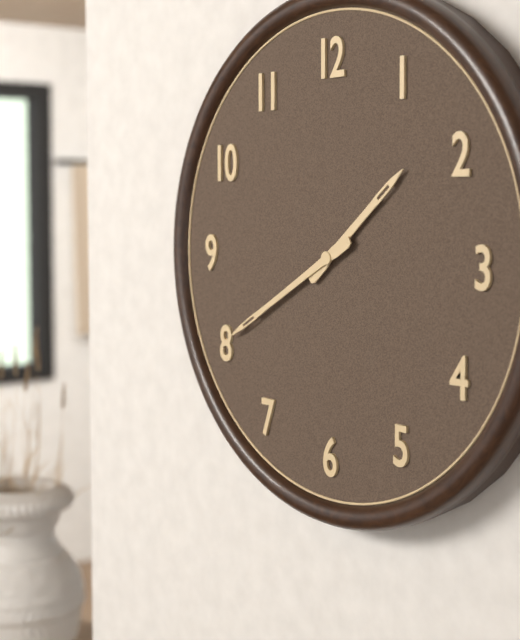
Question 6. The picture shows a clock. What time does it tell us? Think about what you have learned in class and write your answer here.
1:40
